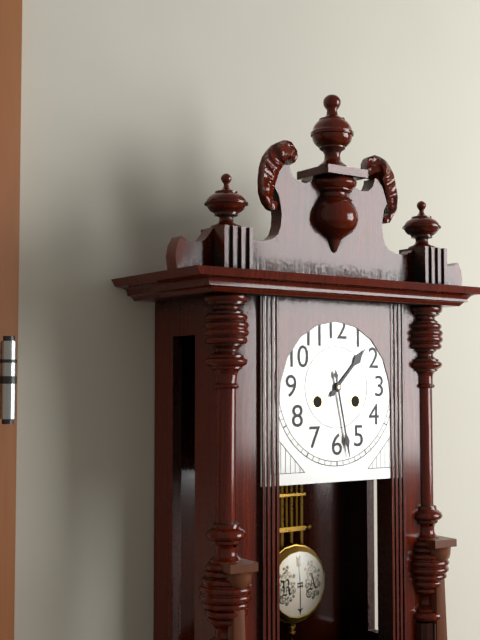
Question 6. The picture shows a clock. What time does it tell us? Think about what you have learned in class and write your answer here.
1:28
